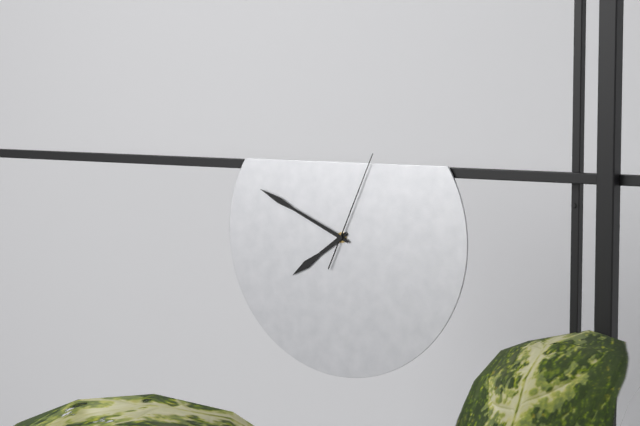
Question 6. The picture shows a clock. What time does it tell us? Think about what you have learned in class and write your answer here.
7:49:04
